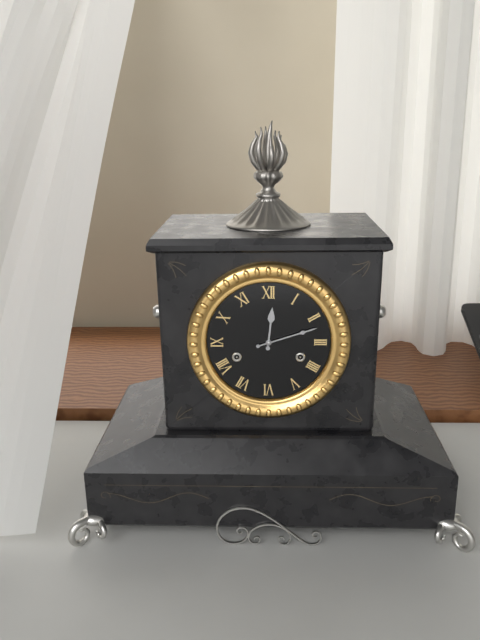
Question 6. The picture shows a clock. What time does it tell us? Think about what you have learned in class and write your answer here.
12:12
